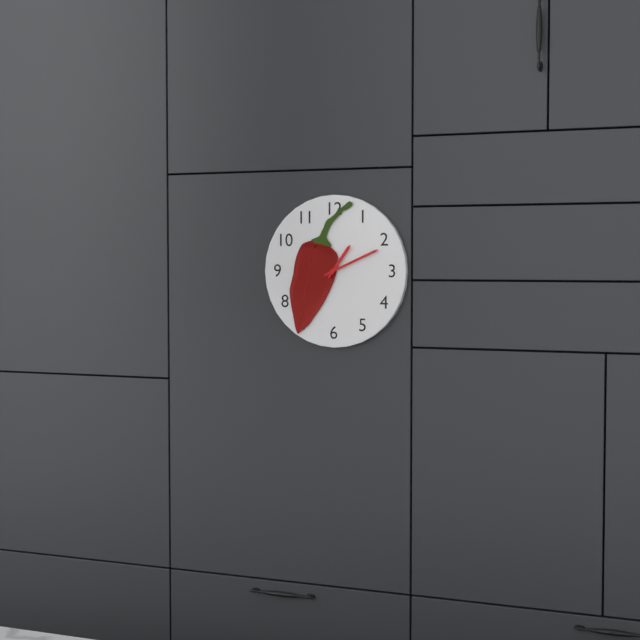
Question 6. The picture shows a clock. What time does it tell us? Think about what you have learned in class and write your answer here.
1:11
